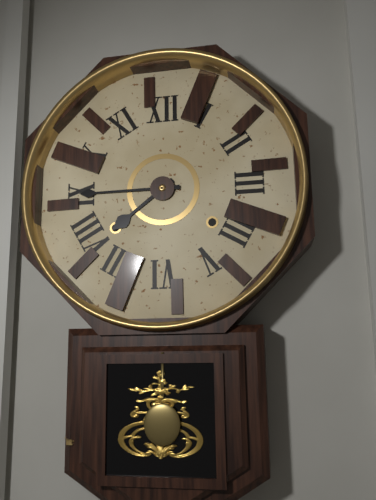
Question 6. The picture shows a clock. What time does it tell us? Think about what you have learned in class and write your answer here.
7:45
